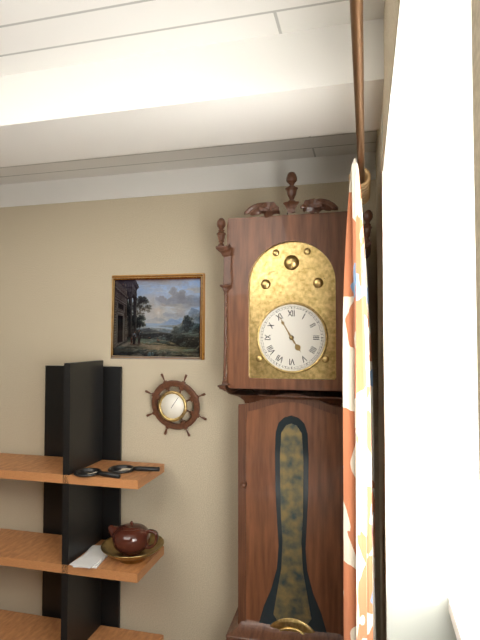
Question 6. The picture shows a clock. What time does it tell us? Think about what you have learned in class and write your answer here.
4:55
